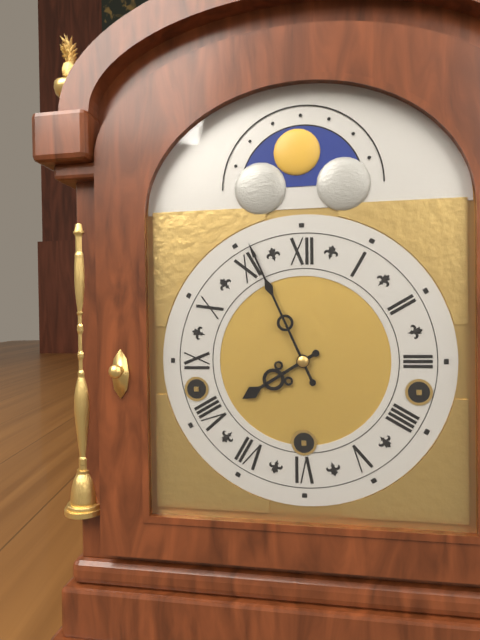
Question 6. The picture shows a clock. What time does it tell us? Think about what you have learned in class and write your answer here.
7:56
